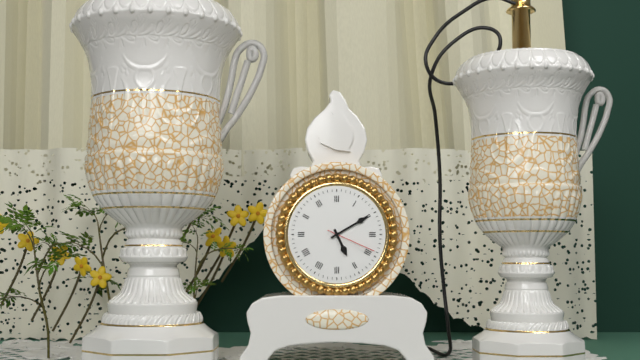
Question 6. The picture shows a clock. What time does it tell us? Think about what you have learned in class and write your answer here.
5:10:19
